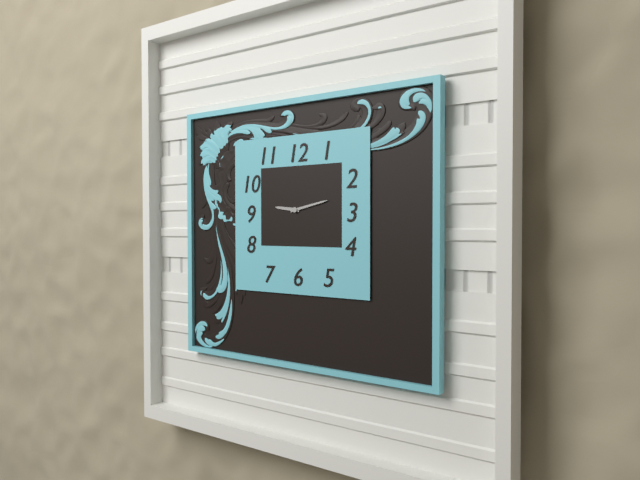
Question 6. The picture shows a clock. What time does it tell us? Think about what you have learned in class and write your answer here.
9:13
